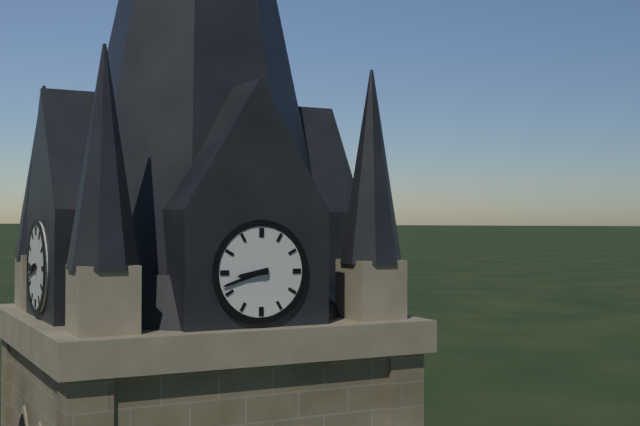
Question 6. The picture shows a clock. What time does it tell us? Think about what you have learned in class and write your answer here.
8:42
